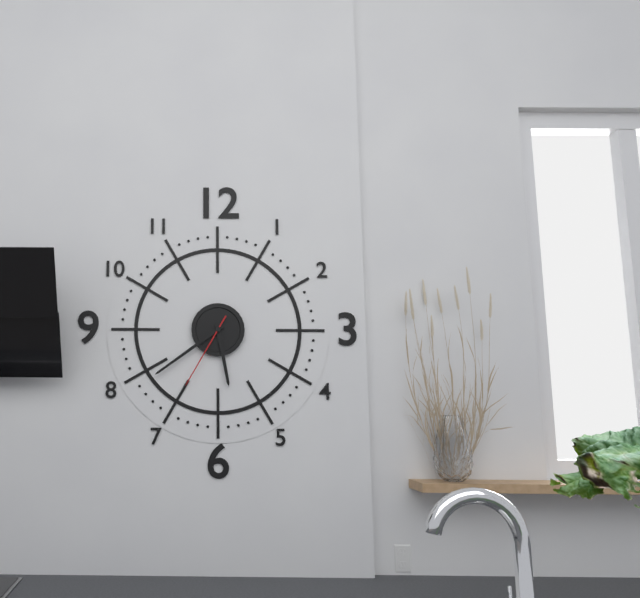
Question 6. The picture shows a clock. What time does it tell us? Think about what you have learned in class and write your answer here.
5:39:35
